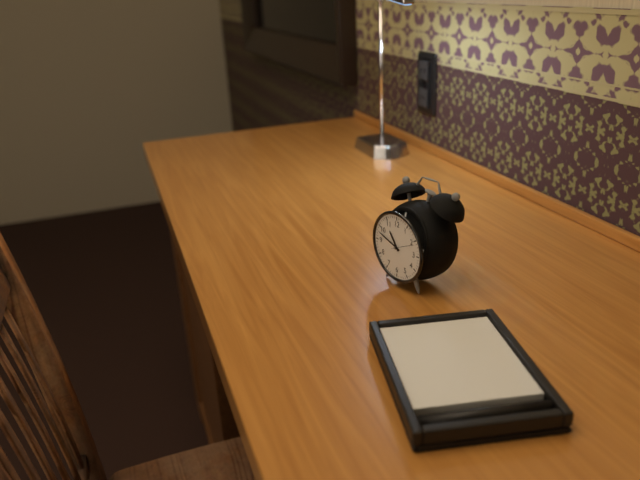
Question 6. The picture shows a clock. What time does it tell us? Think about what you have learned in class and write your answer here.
10:48
